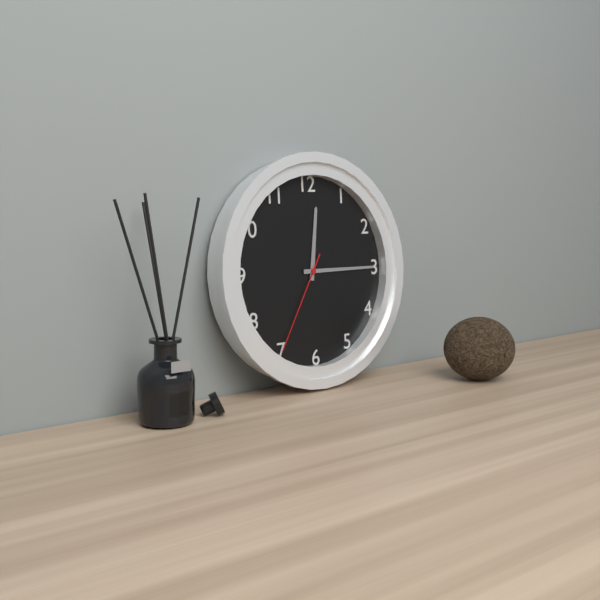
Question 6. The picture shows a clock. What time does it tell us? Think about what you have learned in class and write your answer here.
12:15:35
